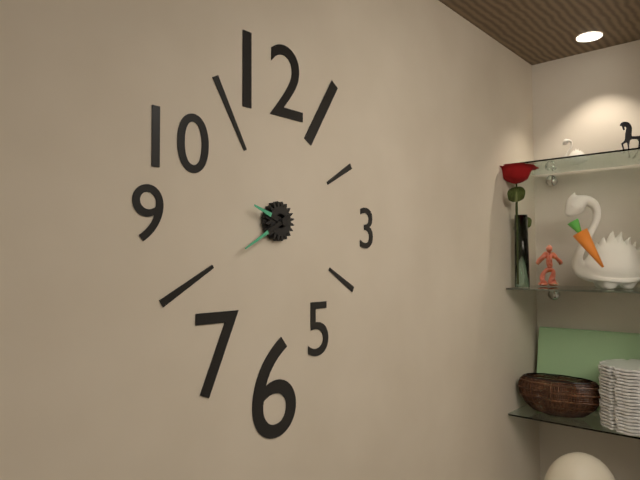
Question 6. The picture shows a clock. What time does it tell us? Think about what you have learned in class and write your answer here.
9:40
